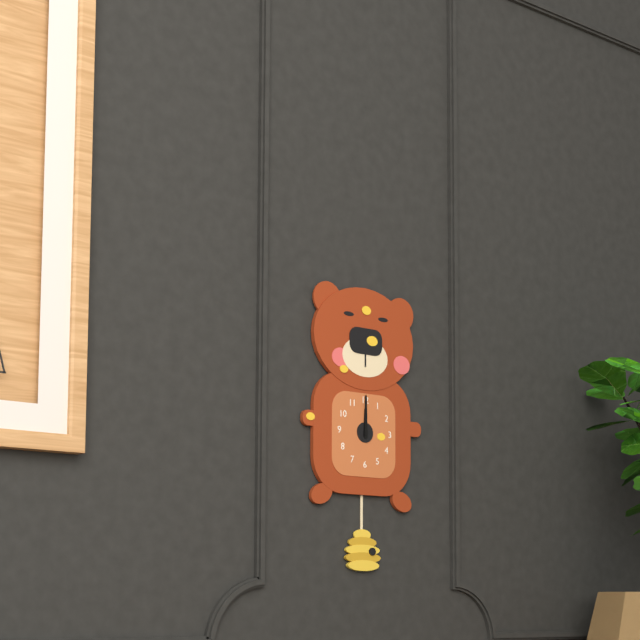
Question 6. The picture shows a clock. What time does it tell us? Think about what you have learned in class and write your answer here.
12:00
